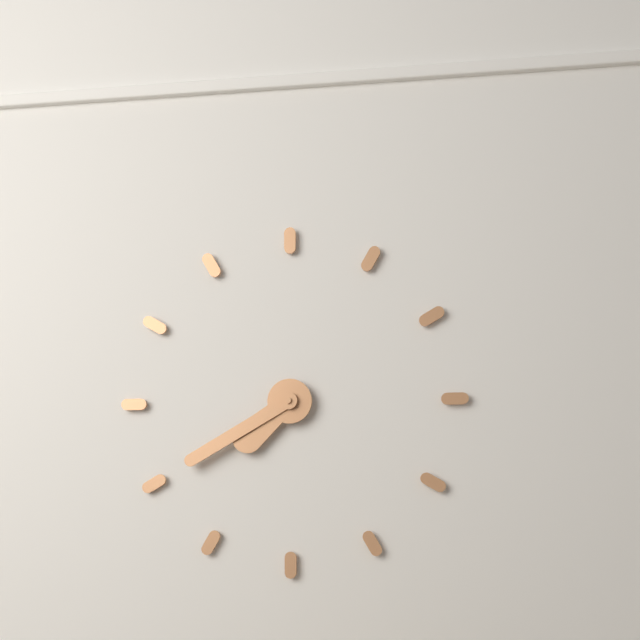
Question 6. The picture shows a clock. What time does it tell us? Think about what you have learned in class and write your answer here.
7:40
